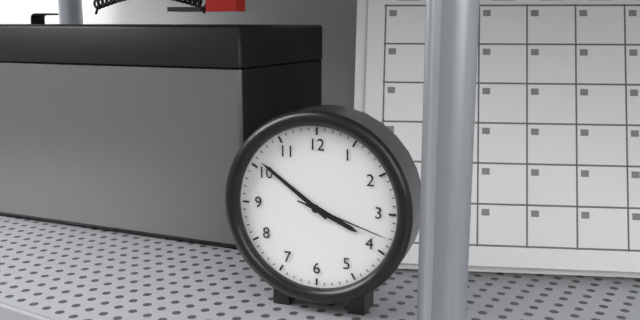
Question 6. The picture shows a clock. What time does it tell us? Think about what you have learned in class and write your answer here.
3:51:18
